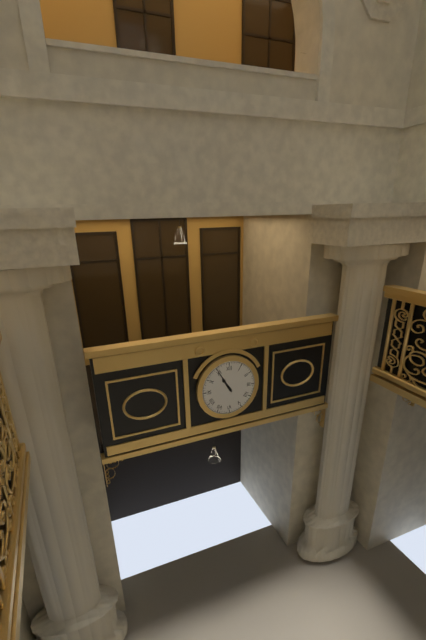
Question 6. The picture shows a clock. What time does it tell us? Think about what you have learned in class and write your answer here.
10:55
